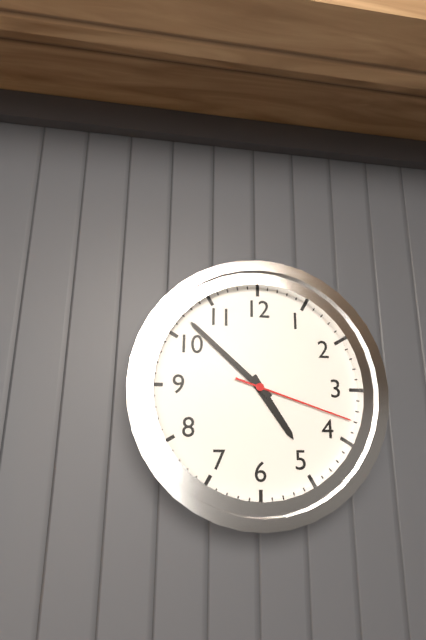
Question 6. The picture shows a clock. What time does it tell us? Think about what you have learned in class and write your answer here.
4:52:18
